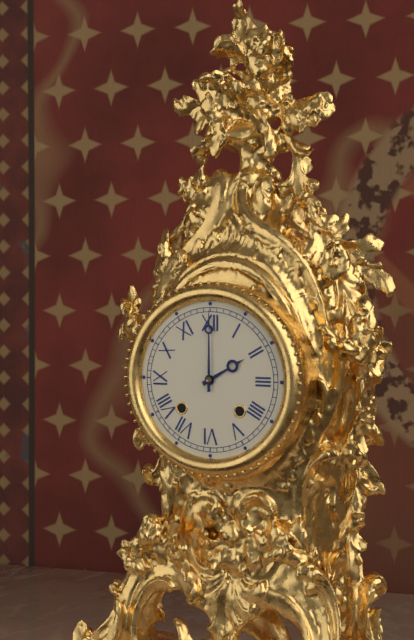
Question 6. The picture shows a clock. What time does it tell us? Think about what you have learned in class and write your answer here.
2:00
